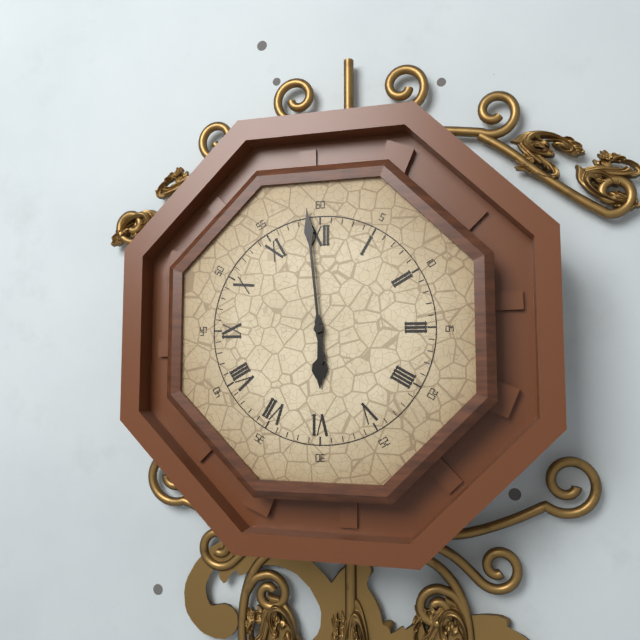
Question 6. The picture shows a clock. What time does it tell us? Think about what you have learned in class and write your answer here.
5:59
